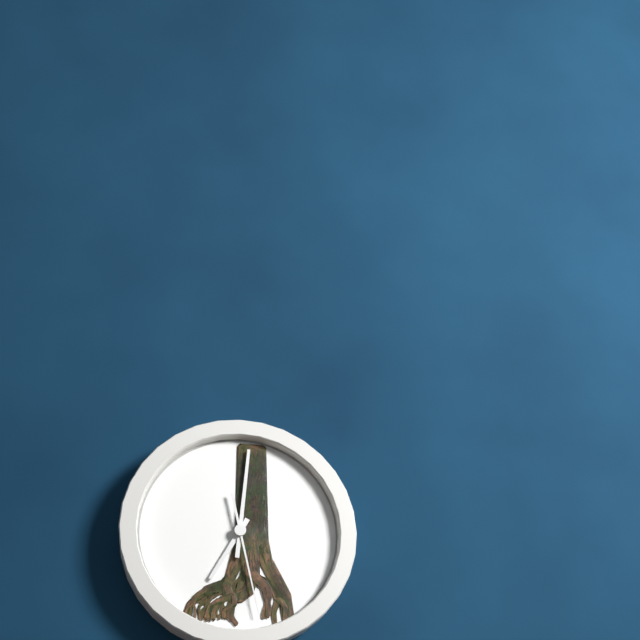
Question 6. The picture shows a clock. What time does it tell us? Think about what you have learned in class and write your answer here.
7:01:28
